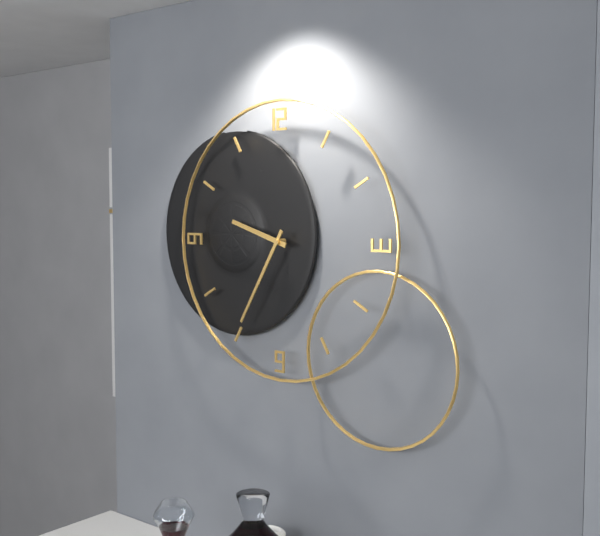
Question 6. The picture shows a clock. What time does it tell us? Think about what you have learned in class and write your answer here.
9:35
